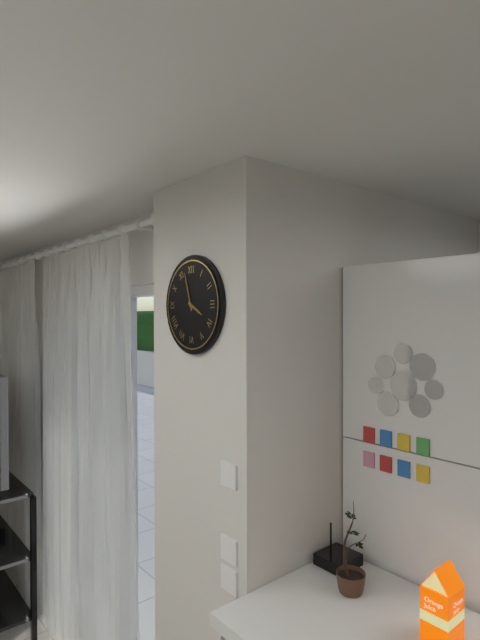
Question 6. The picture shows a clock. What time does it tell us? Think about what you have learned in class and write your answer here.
3:57
